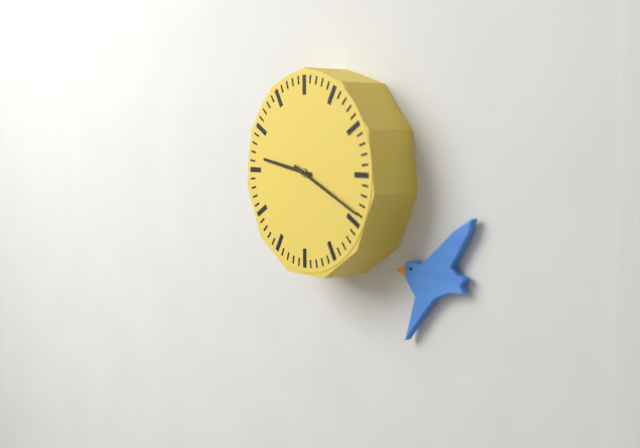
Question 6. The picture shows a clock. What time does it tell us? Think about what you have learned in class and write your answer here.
9:19
